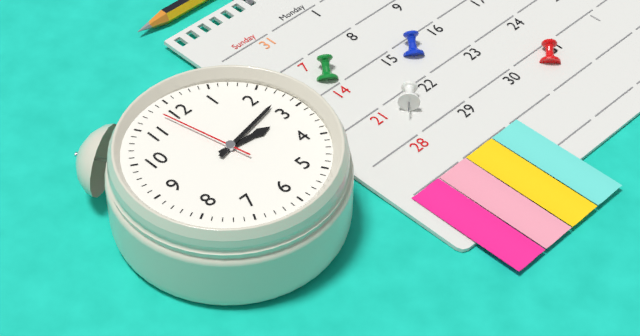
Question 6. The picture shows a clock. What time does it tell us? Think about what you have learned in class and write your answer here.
3:13:58
